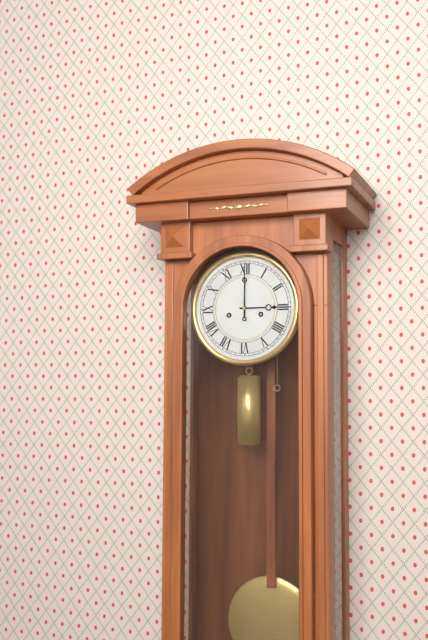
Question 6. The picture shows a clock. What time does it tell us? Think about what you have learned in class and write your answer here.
3:00
